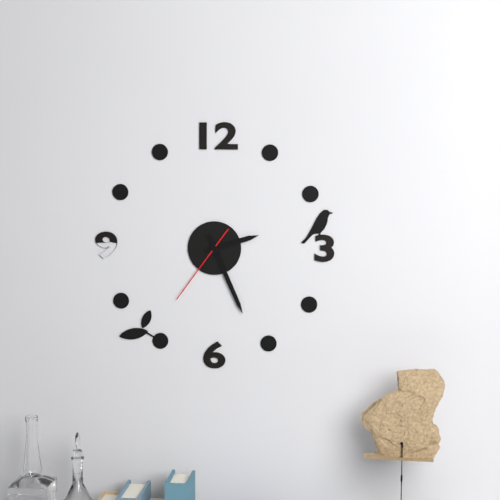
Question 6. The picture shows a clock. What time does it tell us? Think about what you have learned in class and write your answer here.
2:26:36
